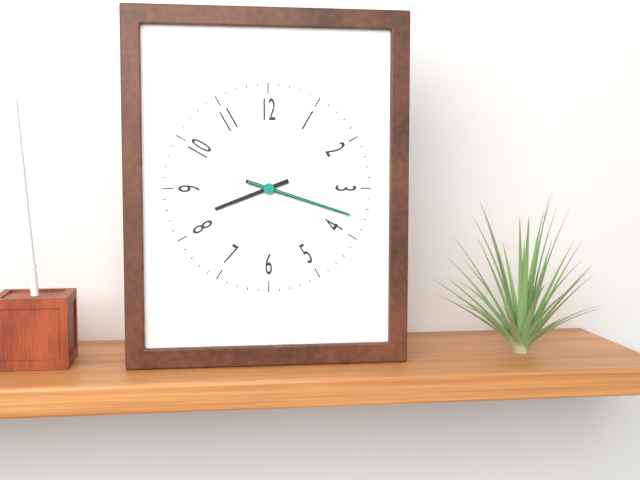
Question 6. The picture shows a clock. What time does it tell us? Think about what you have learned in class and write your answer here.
8:18:18
